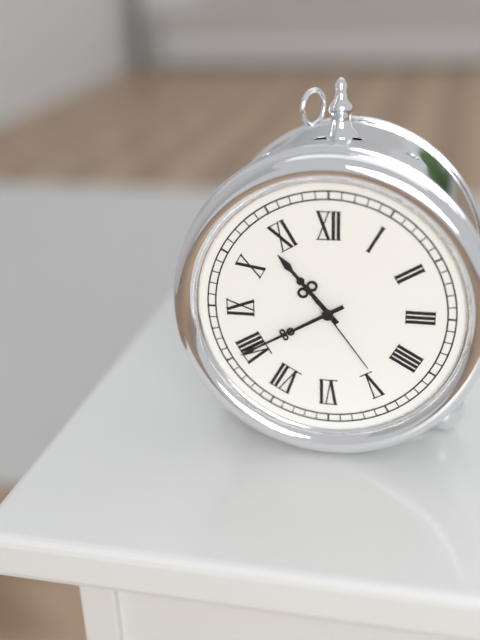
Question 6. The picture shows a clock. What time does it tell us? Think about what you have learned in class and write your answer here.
10:40:24
